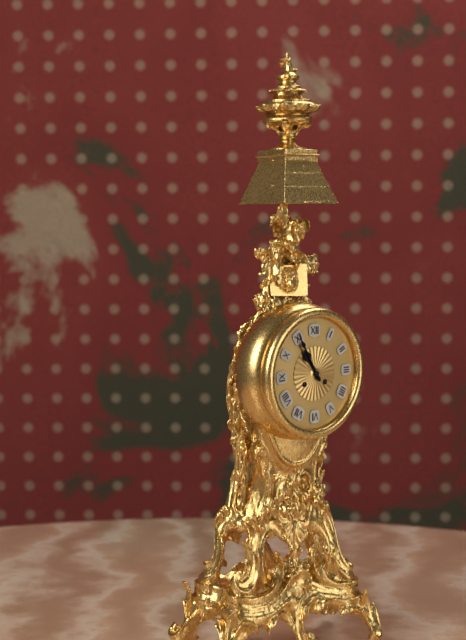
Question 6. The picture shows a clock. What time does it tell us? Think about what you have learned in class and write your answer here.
10:55
